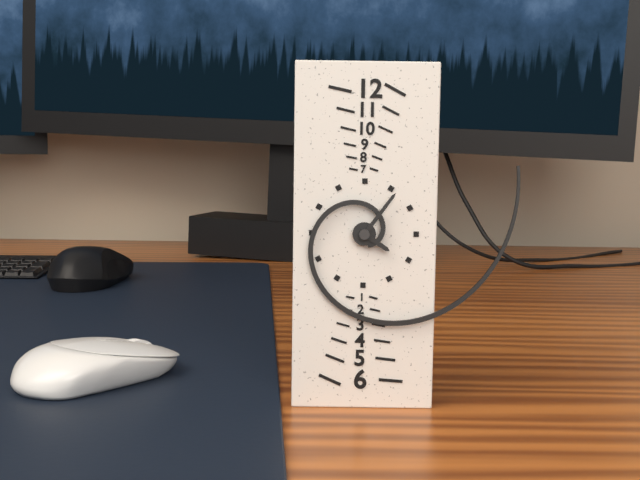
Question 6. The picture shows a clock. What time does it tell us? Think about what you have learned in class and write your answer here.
4:06
